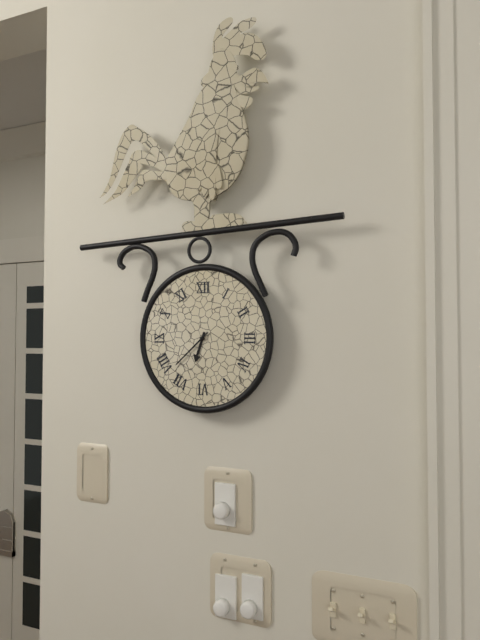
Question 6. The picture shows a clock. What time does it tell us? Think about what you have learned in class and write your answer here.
6:38
